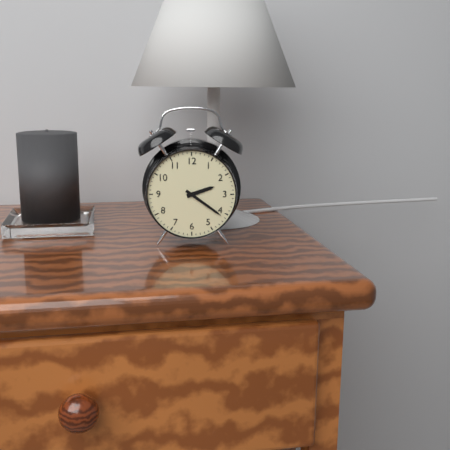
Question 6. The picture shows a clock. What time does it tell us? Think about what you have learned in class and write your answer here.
2:21
